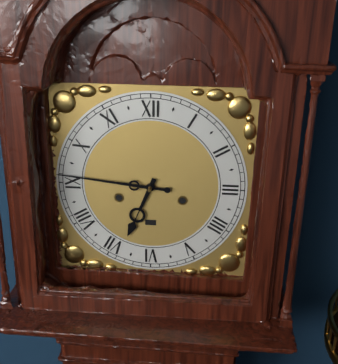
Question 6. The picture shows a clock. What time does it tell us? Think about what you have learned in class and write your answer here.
6:46
